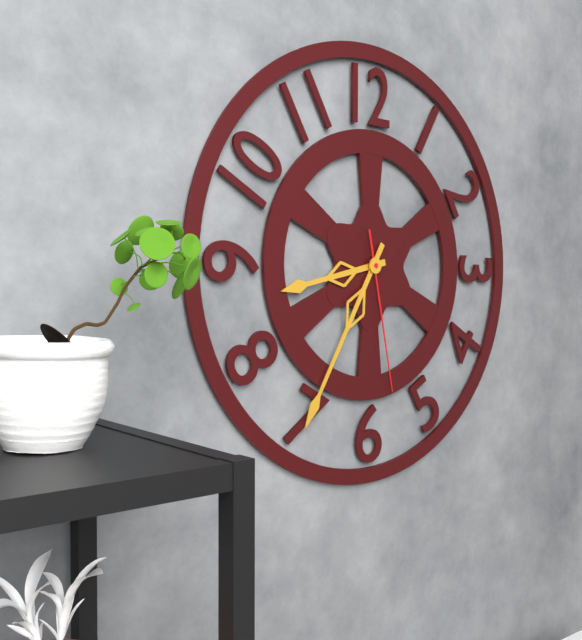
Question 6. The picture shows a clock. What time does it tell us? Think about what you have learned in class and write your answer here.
8:35:28
